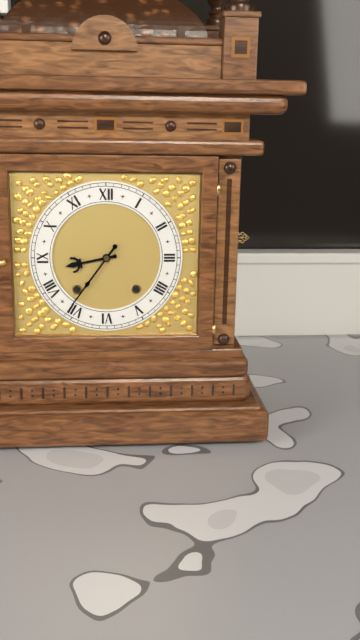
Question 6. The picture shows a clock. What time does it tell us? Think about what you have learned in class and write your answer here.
8:36
